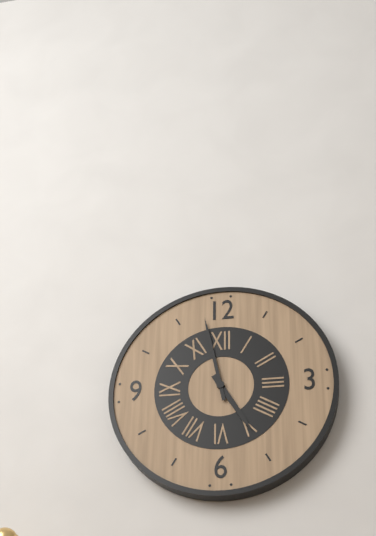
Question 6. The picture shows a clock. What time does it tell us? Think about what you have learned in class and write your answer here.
4:58
